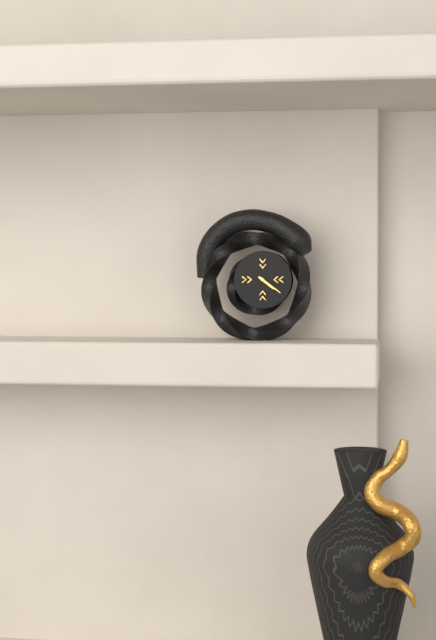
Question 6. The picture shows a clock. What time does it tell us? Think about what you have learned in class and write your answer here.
4:21
